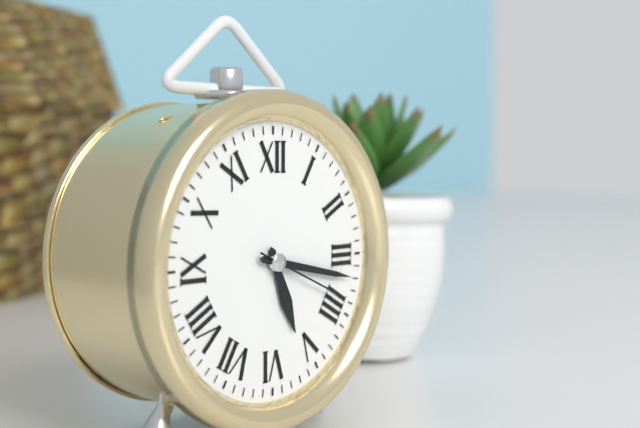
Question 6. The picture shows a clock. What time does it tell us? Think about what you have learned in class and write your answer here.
5:17:19
